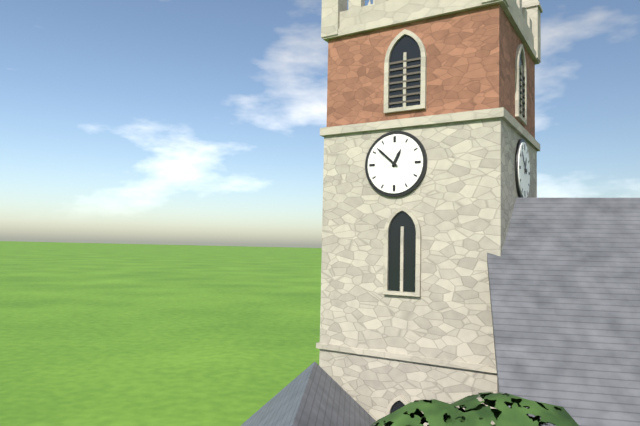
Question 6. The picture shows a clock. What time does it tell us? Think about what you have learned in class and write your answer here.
12:52
